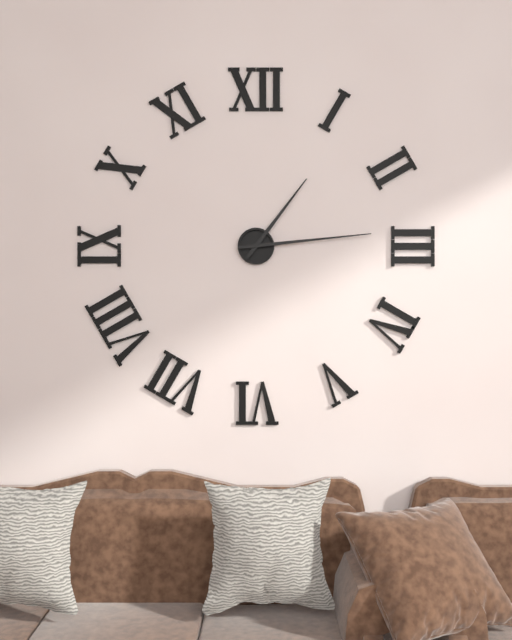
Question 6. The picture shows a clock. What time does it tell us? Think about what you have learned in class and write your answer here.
1:14
